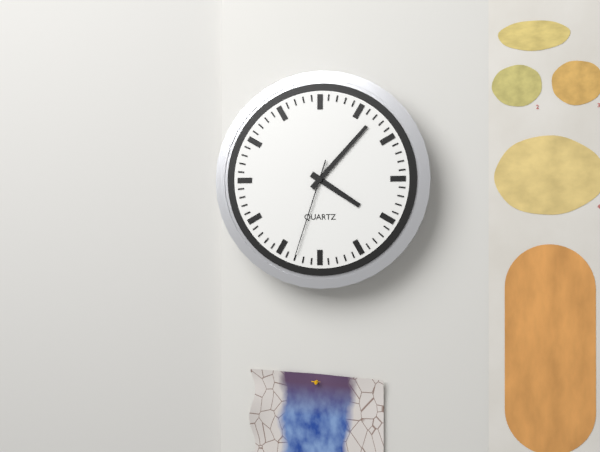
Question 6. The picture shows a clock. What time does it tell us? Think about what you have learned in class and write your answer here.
4:07:33
